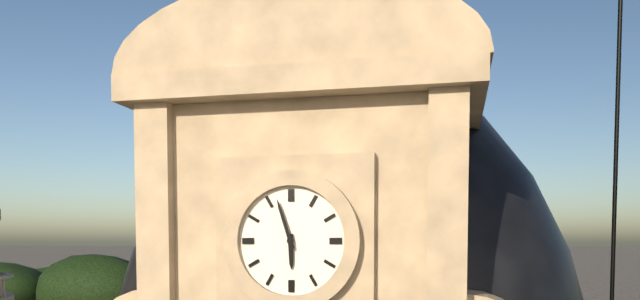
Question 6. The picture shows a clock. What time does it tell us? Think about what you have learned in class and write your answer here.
5:57
